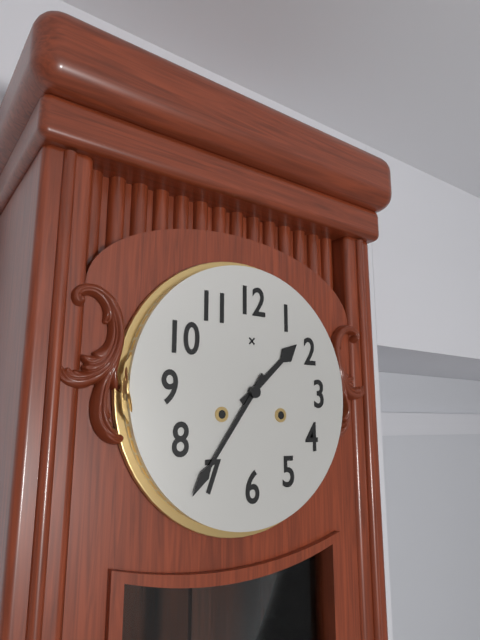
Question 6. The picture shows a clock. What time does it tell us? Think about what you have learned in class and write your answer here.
1:36
